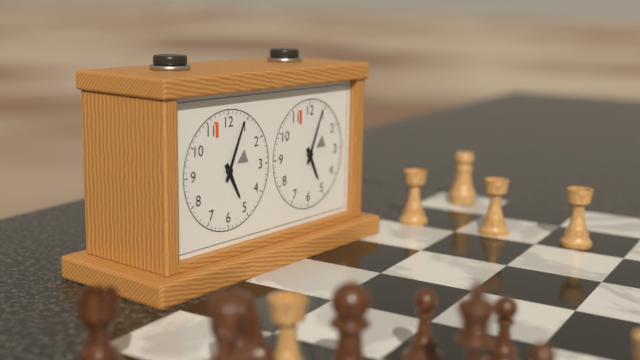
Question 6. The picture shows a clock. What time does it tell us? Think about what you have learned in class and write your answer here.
5:04
